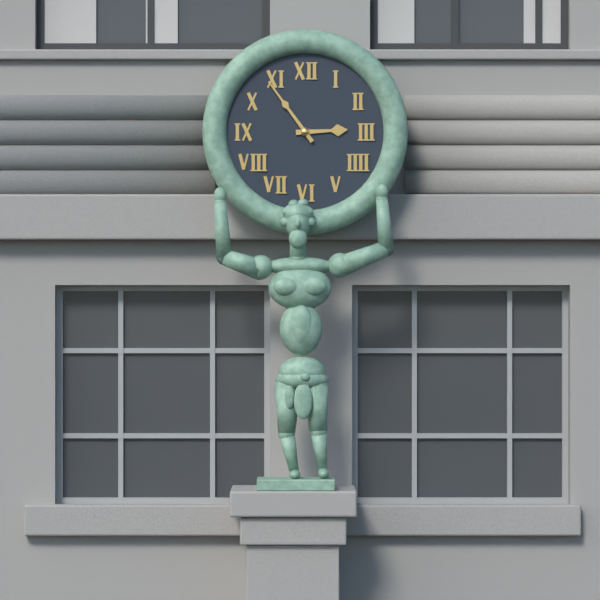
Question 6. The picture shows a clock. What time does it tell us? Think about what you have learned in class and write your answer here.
2:54
